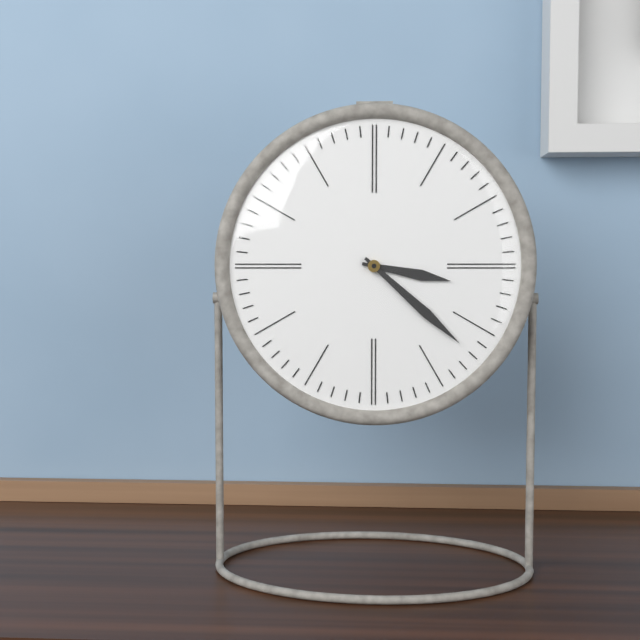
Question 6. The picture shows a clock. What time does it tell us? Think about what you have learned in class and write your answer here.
3:22
